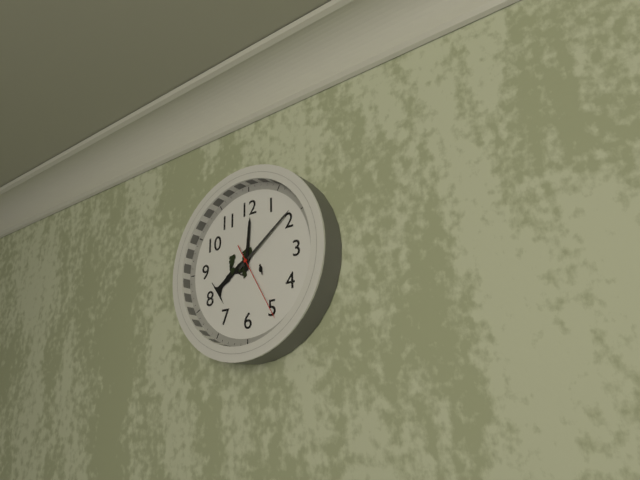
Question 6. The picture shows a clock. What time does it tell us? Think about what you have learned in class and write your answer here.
12:09:25
